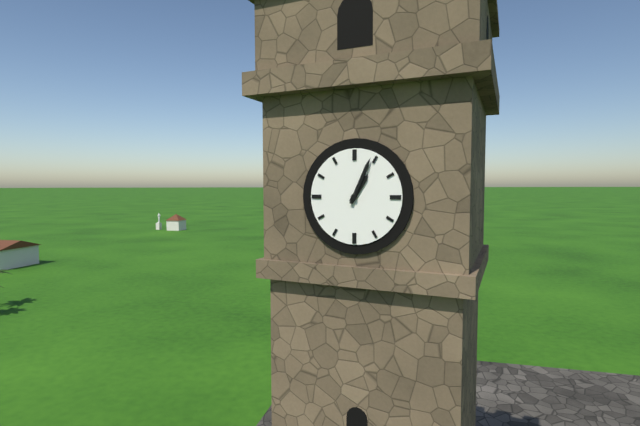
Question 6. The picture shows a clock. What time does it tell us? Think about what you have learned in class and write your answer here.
1:04
